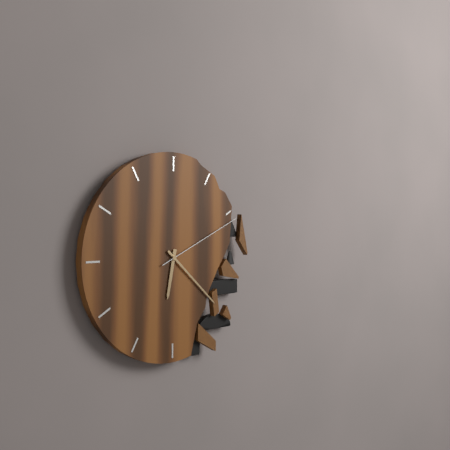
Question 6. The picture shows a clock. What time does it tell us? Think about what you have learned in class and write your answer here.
6:22:11
